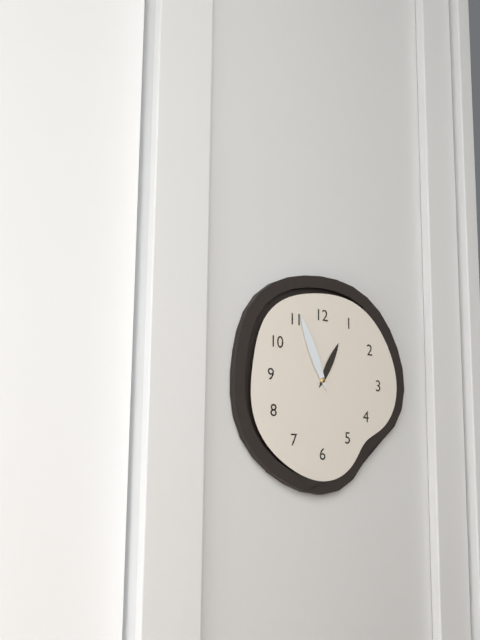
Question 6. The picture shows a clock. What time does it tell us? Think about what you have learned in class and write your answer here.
12:56
